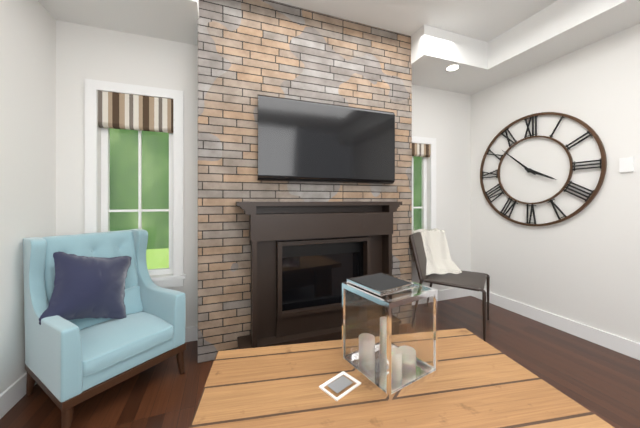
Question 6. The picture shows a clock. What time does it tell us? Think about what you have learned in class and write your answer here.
3:52
